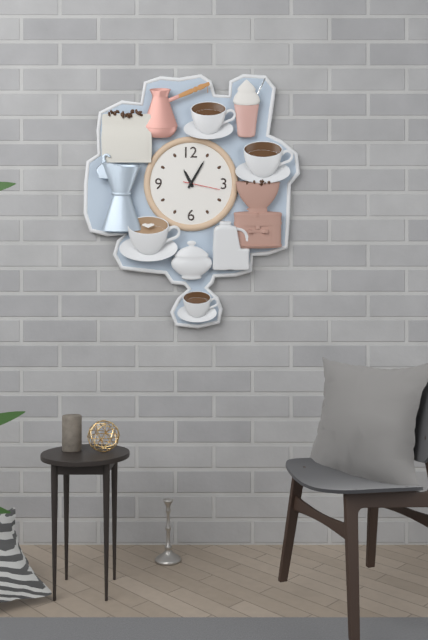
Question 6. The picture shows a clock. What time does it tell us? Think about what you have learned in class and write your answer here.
11:05
